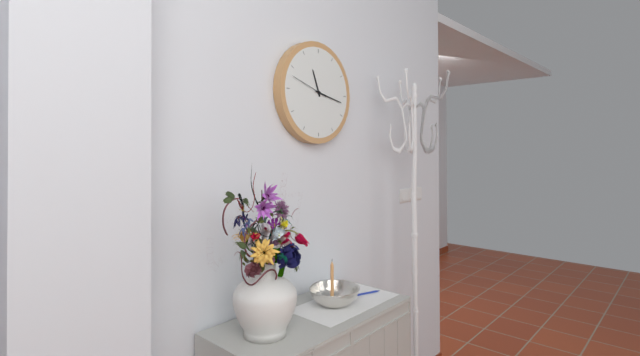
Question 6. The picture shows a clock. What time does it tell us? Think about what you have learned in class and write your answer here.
11:17
